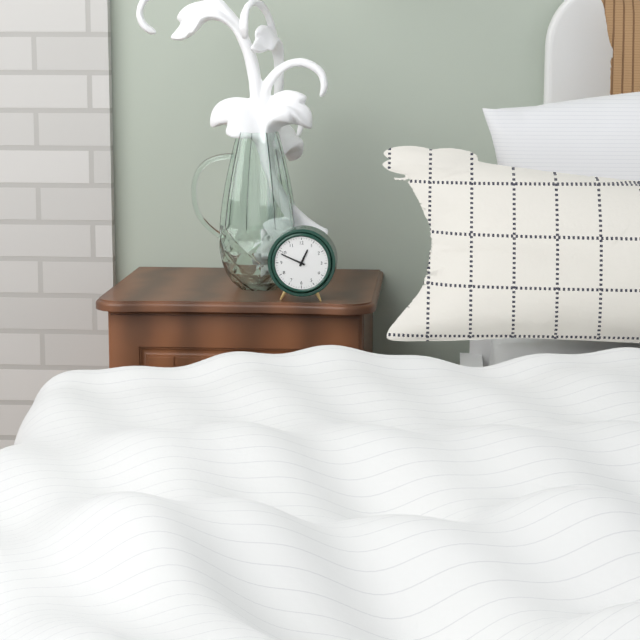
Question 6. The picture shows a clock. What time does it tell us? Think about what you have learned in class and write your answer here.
12:49
